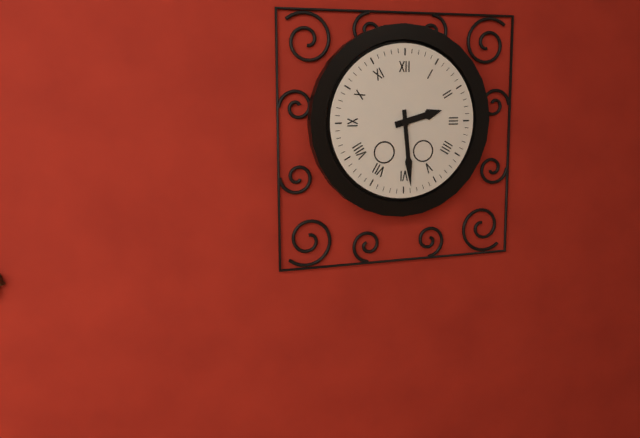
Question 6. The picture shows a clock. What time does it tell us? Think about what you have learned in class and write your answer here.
2:29
